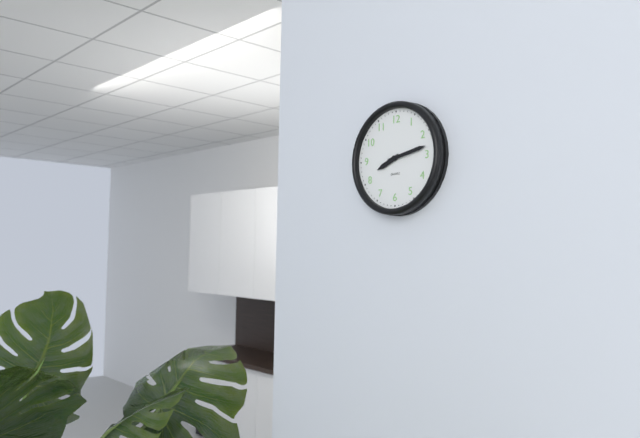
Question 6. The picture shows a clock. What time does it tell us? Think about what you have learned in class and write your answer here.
8:13
